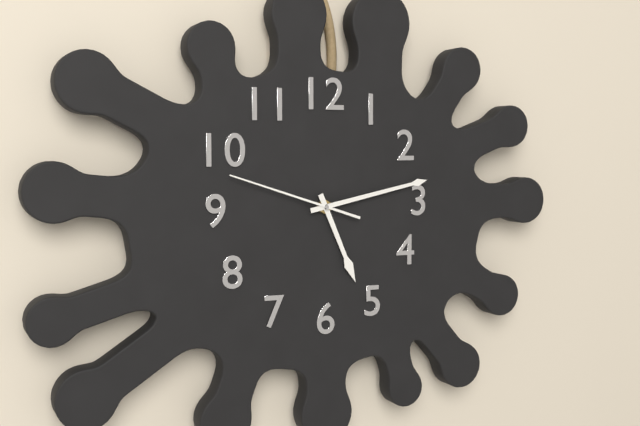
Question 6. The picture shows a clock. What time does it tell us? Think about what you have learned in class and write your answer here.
5:13:48
